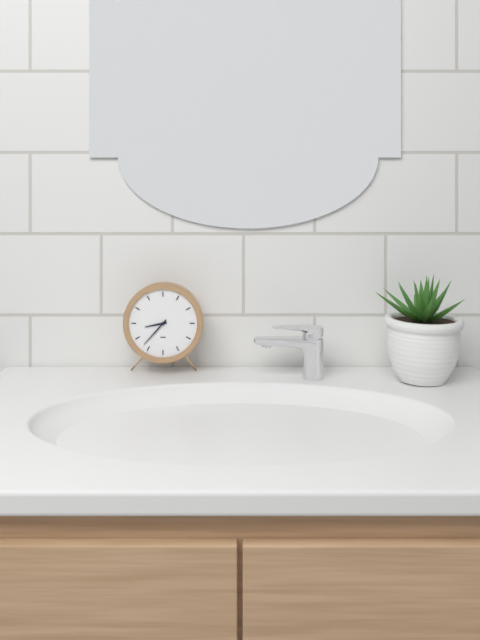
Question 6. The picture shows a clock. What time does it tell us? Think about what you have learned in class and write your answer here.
8:37
